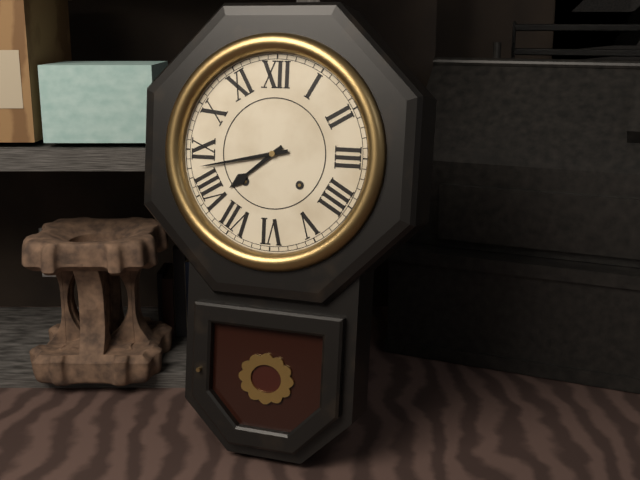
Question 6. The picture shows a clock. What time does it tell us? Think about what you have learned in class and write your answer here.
7:43
